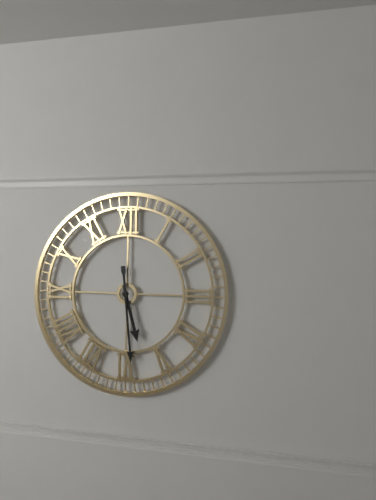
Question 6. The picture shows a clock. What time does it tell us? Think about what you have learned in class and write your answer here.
5:29
